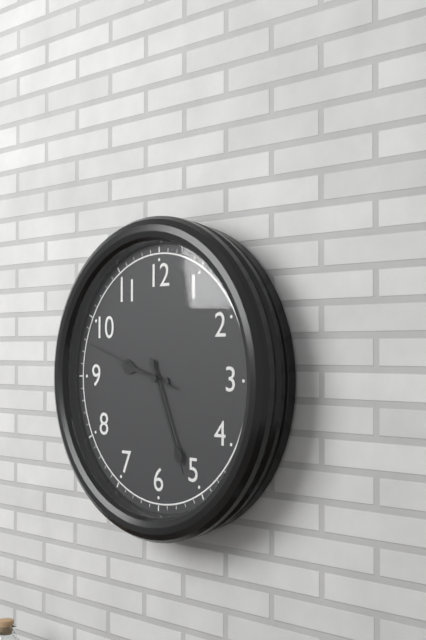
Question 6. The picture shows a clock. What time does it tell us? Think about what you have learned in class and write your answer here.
9:26:48
